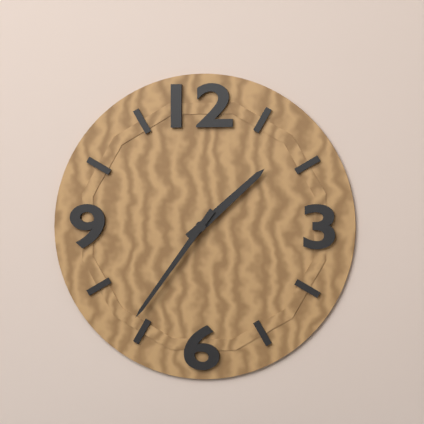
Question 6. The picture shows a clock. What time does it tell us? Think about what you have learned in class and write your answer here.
1:36
